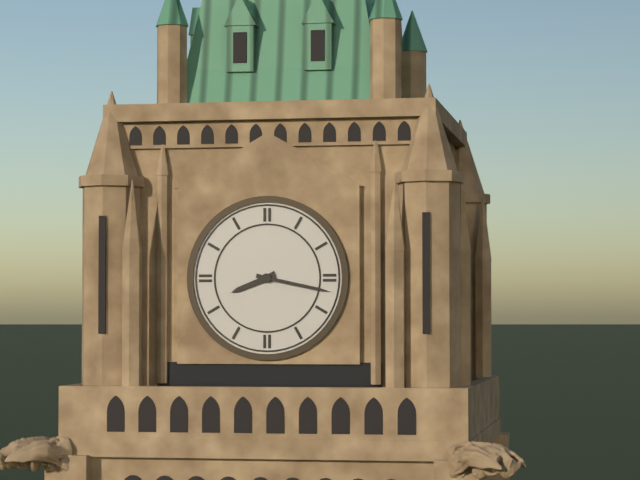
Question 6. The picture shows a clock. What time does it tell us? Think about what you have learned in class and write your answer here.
8:17
